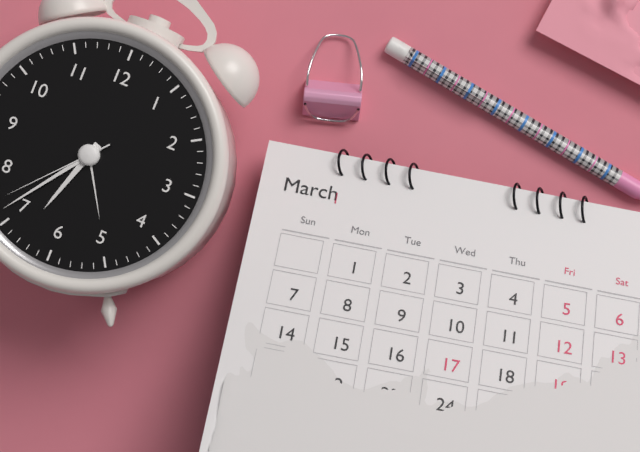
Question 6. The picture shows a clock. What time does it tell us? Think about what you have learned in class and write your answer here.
6:36:37
